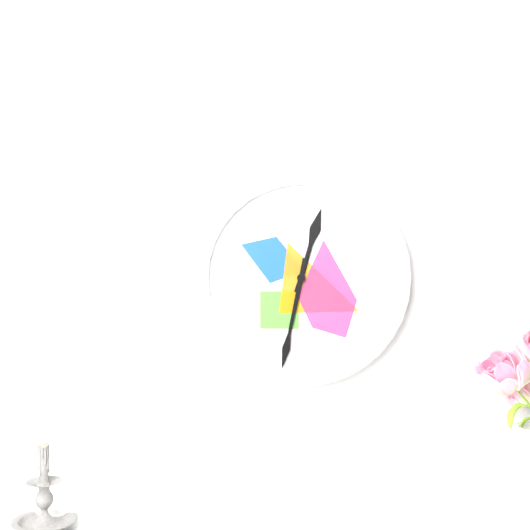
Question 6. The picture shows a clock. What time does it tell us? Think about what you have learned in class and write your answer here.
12:32
